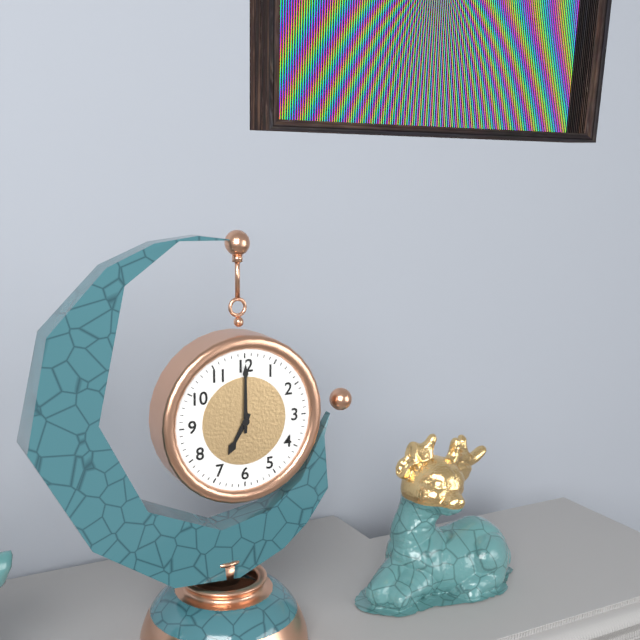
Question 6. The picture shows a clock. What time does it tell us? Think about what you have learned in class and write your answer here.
7:00
